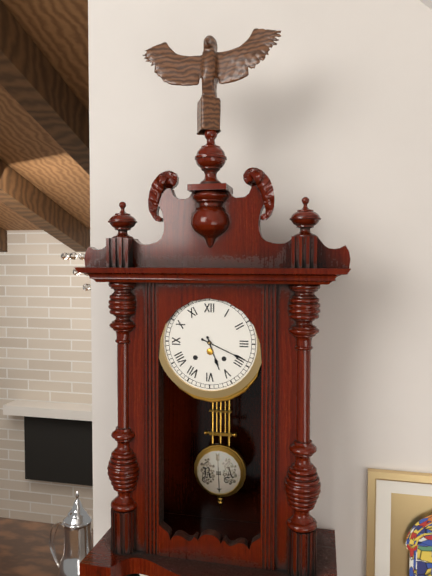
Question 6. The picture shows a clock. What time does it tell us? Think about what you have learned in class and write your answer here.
5:19
